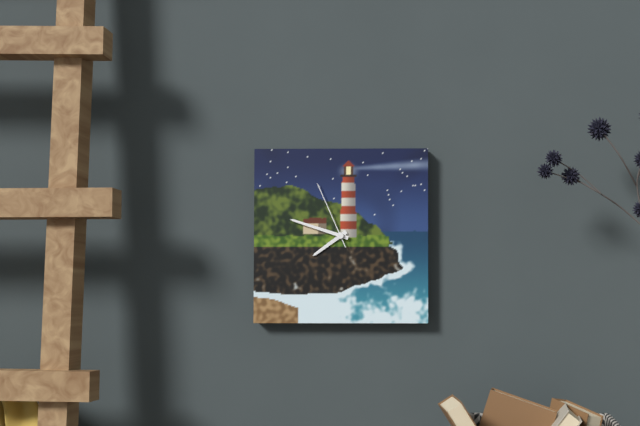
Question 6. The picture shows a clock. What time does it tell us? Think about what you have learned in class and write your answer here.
7:48:56
